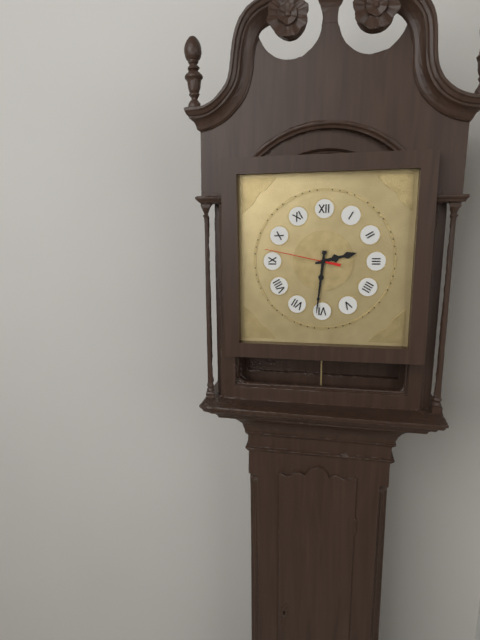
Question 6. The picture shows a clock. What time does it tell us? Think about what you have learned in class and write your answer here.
2:31:47
